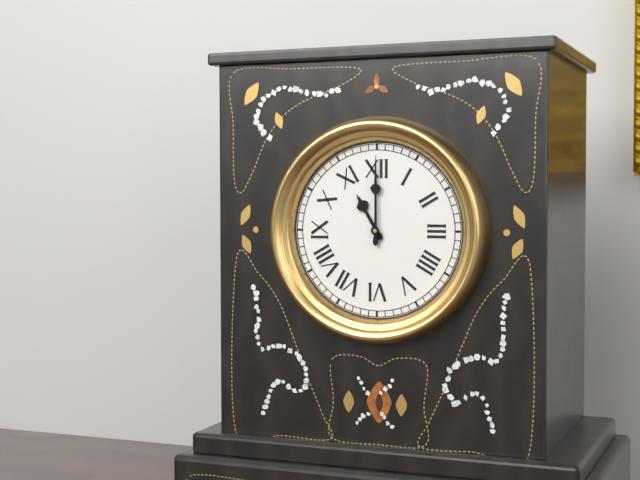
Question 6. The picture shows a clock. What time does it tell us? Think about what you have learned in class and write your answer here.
11:00
